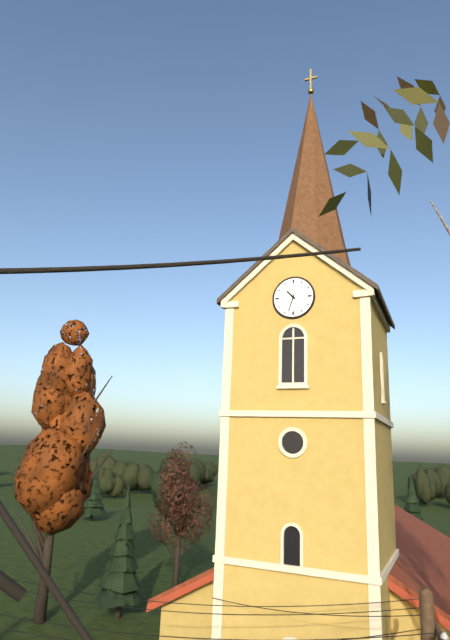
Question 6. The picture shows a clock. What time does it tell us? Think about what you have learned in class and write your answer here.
10:33
